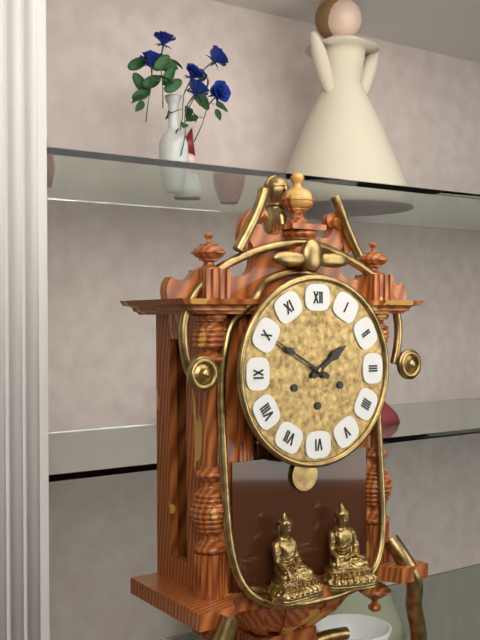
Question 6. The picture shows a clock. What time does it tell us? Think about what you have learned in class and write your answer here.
1:50
